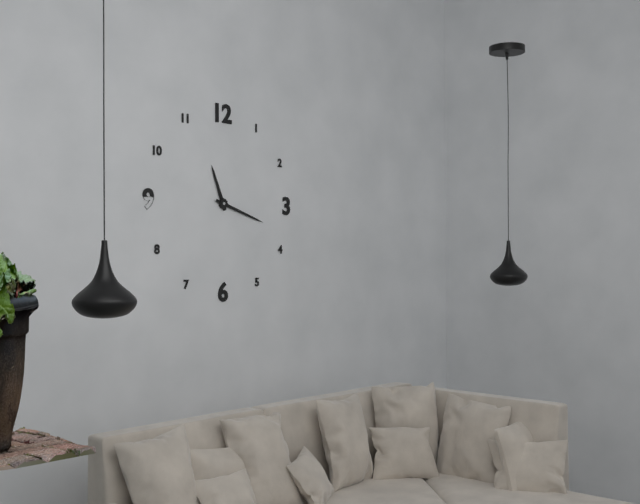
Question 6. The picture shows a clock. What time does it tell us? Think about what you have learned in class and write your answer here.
11:18
